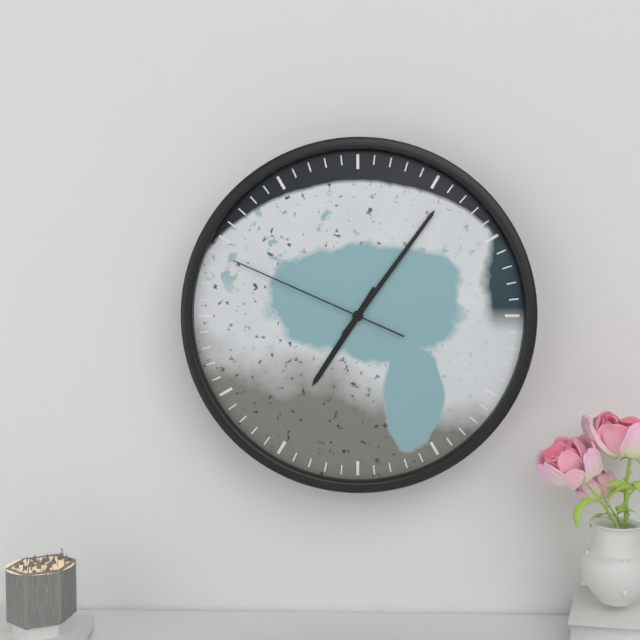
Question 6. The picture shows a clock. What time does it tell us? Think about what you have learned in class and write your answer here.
7:06:49
